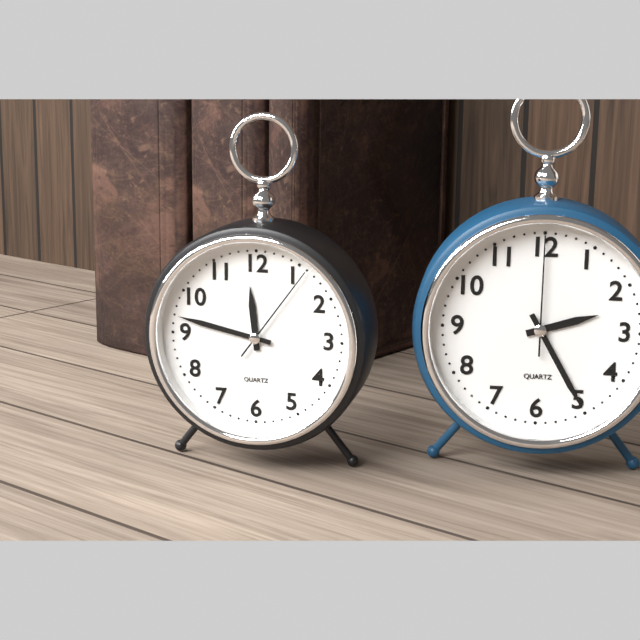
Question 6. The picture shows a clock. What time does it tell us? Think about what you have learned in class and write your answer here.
11:47:06
